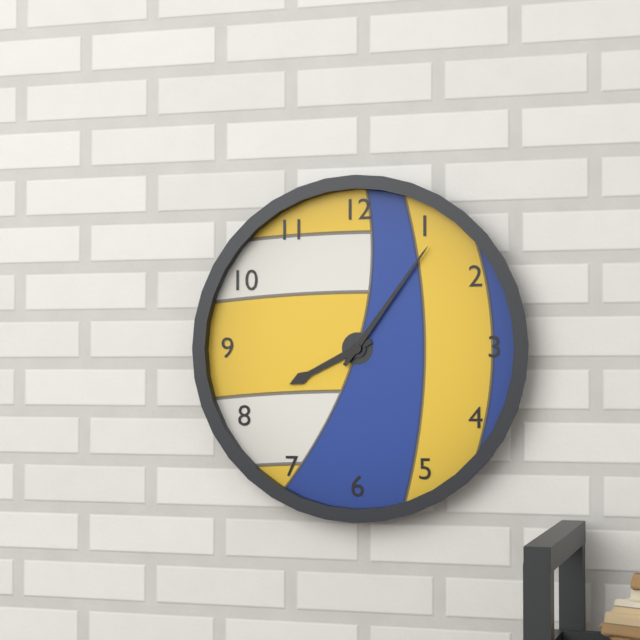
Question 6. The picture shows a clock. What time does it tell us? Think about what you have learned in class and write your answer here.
8:06
